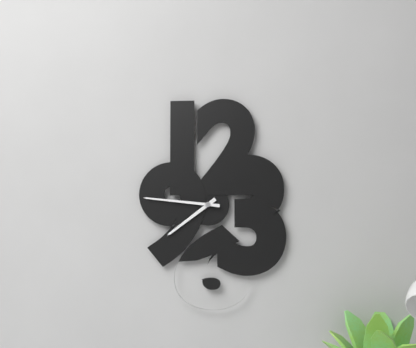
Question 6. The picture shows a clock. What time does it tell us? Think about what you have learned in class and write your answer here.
7:46
